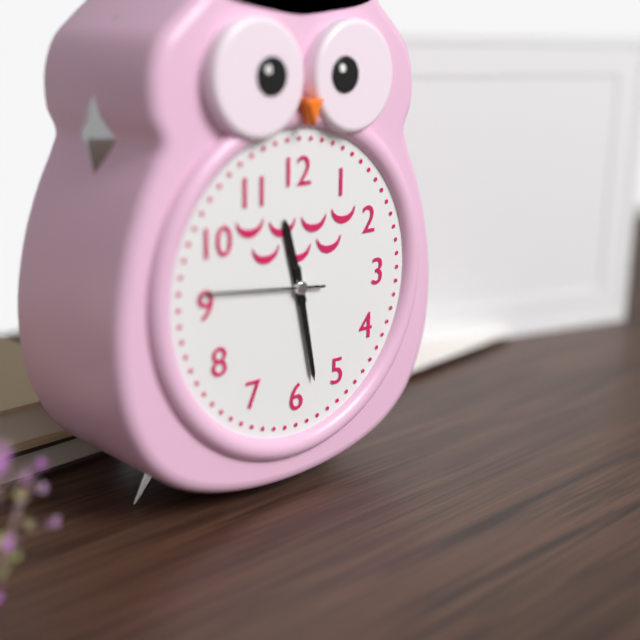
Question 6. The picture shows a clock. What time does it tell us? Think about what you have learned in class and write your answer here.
11:28:46
